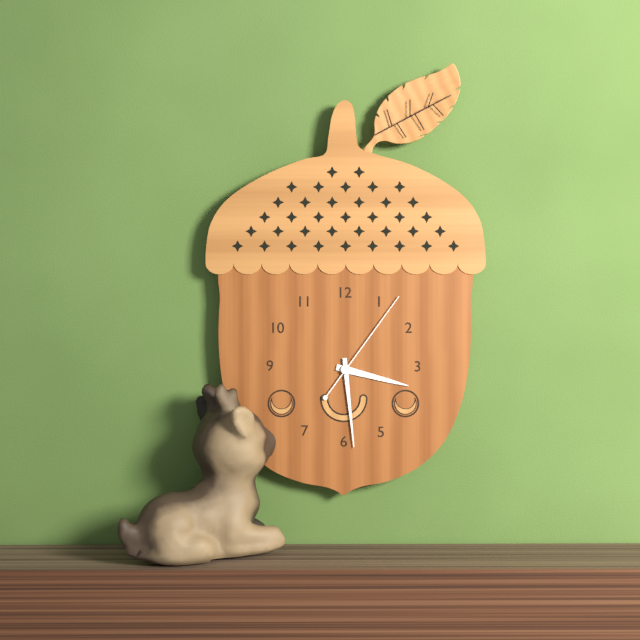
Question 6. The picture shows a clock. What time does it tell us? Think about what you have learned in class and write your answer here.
3:29:06
